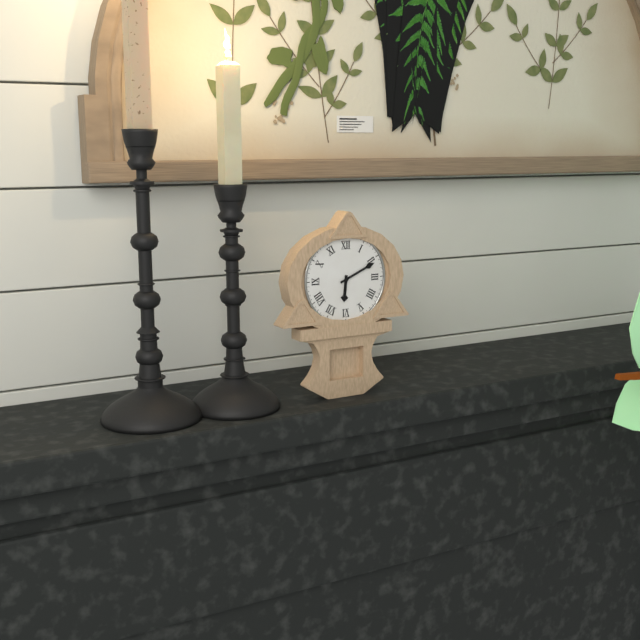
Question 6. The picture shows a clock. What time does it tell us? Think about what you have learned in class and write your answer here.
6:11
